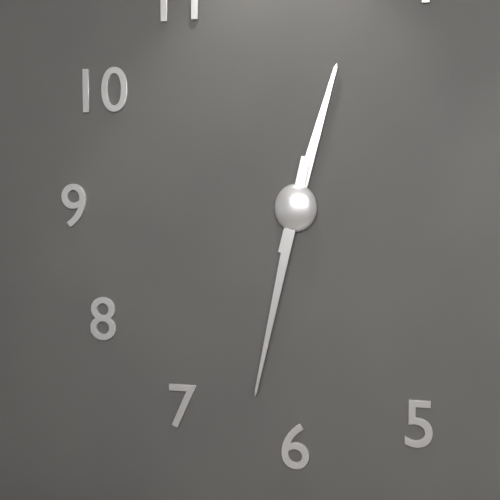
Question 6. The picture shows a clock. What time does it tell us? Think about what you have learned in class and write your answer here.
12:32
